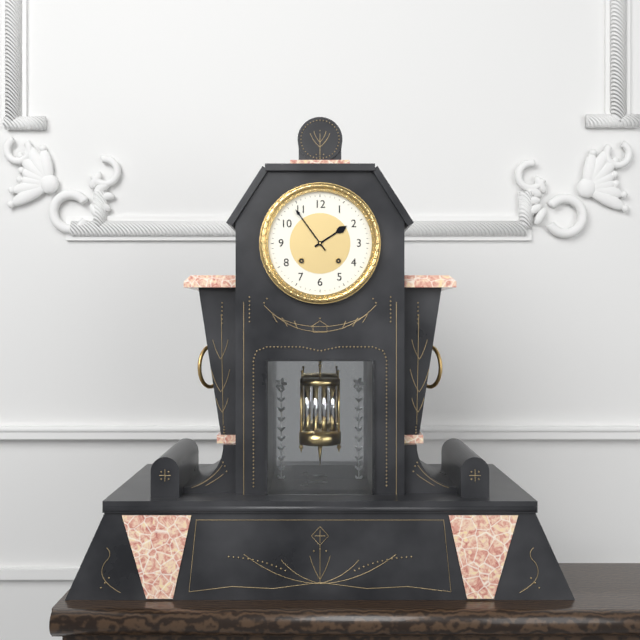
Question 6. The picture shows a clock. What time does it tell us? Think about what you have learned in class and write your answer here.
1:54
